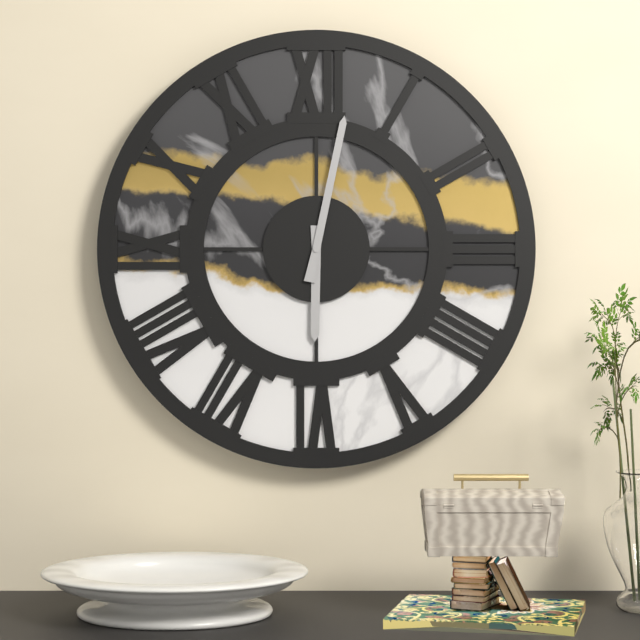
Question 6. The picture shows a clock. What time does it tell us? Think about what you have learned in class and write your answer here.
6:02
